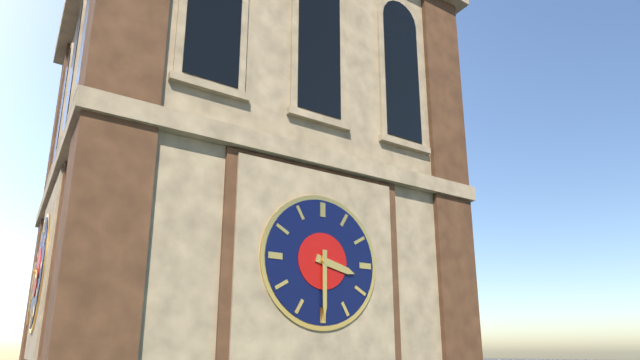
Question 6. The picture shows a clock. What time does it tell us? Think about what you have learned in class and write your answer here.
3:30
